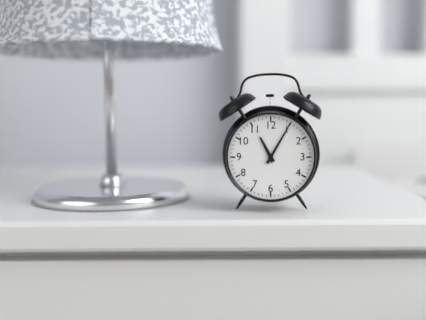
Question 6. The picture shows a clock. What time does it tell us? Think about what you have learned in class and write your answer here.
11:05
